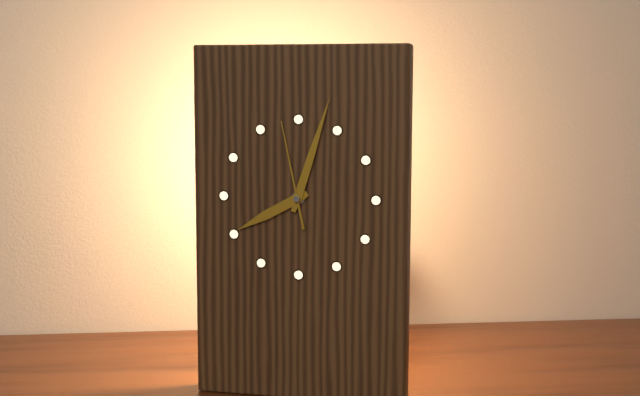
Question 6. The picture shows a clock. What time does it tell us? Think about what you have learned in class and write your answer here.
8:03:58
